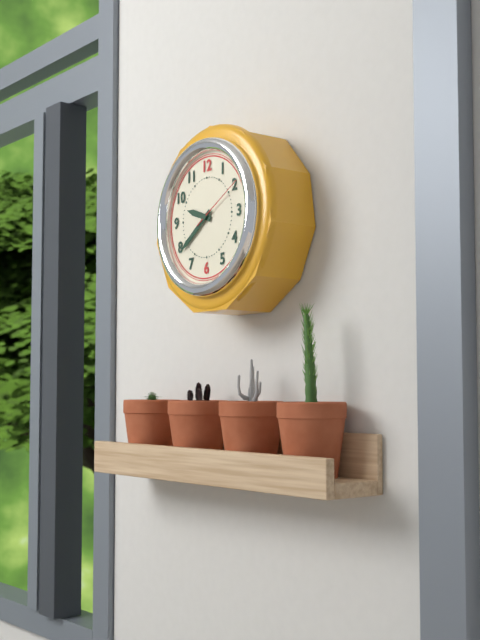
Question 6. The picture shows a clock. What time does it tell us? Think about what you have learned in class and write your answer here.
9:39:10
